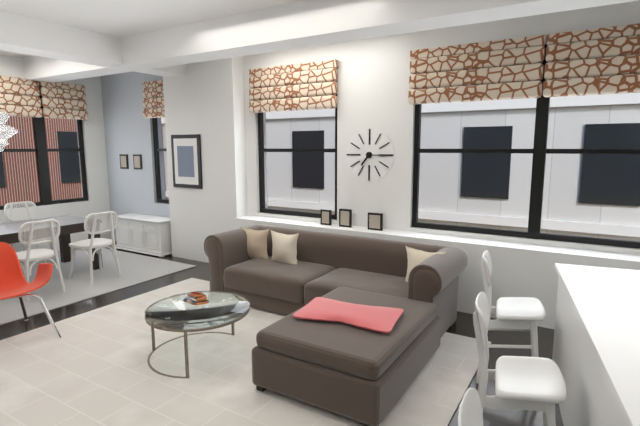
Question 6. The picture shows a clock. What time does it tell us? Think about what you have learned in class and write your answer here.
7:15
